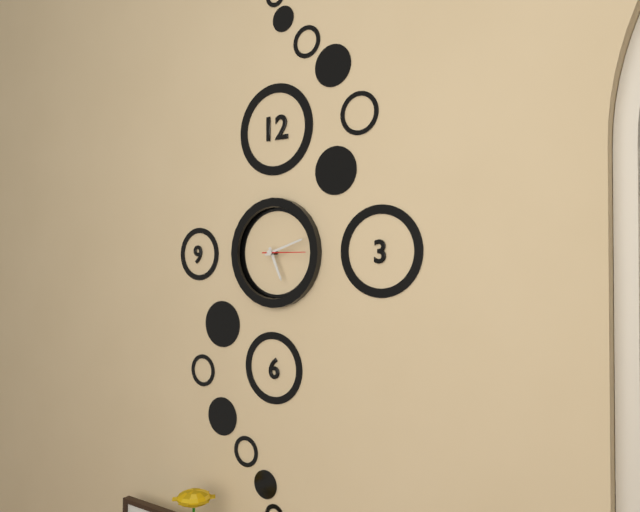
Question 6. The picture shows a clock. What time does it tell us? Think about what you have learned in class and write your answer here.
5:12
